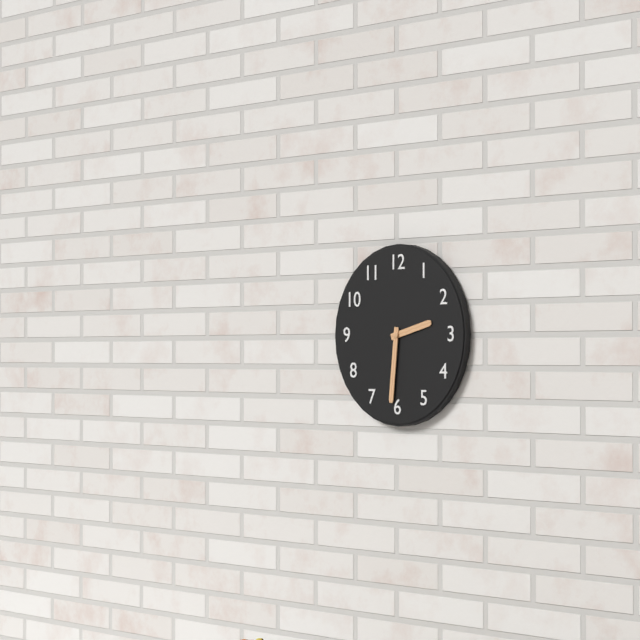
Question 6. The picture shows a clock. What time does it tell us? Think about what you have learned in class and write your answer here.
2:31
